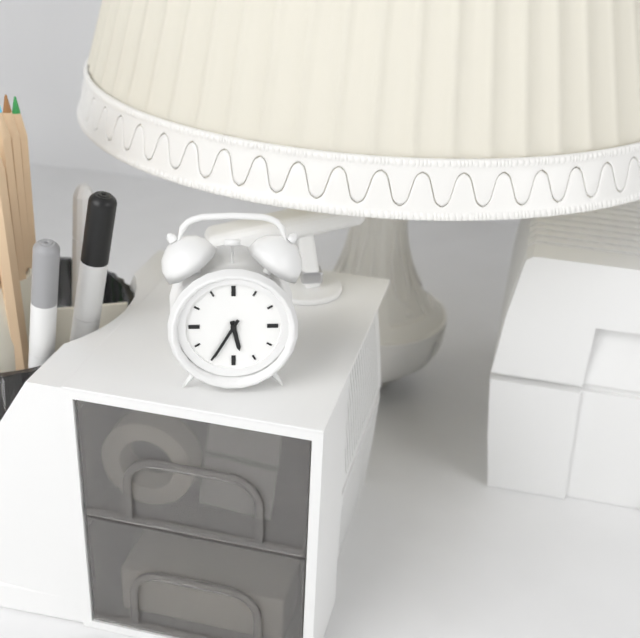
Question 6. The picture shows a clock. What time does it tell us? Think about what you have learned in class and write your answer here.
5:35
